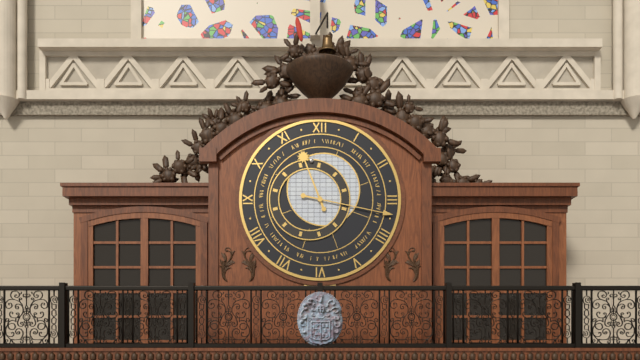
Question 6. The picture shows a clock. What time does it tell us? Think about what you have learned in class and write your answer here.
11:17
